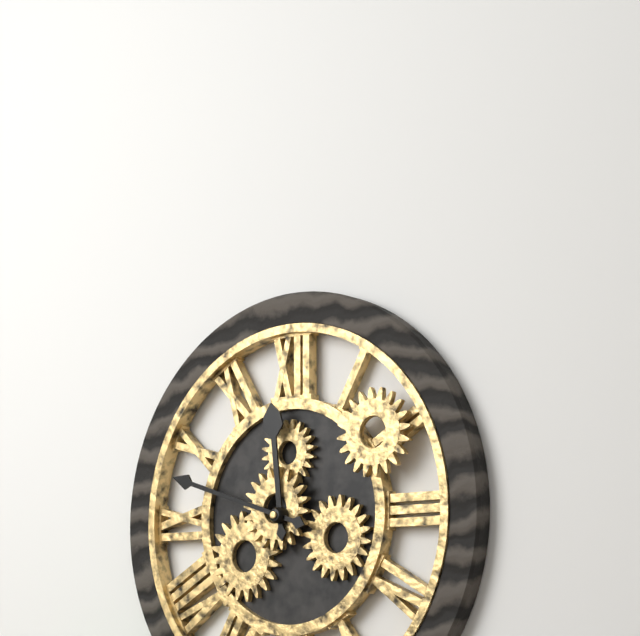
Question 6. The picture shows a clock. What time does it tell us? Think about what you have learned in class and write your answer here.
11:48
